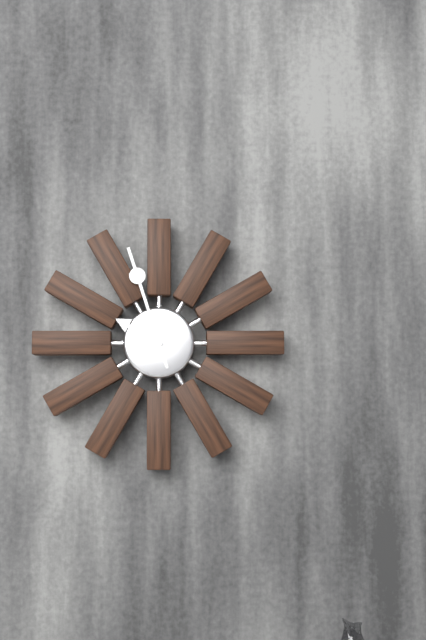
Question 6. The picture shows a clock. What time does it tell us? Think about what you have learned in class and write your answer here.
9:57
